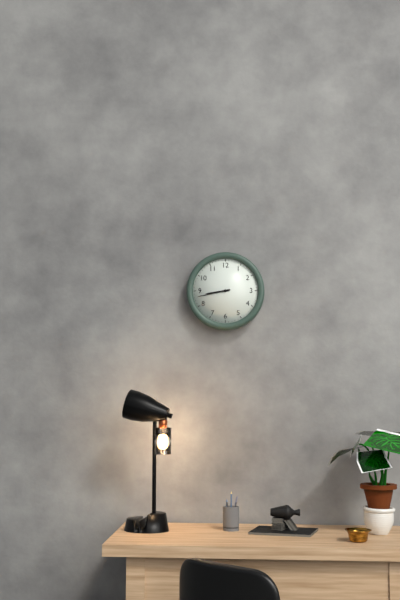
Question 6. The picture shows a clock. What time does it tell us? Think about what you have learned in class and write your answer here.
8:43
